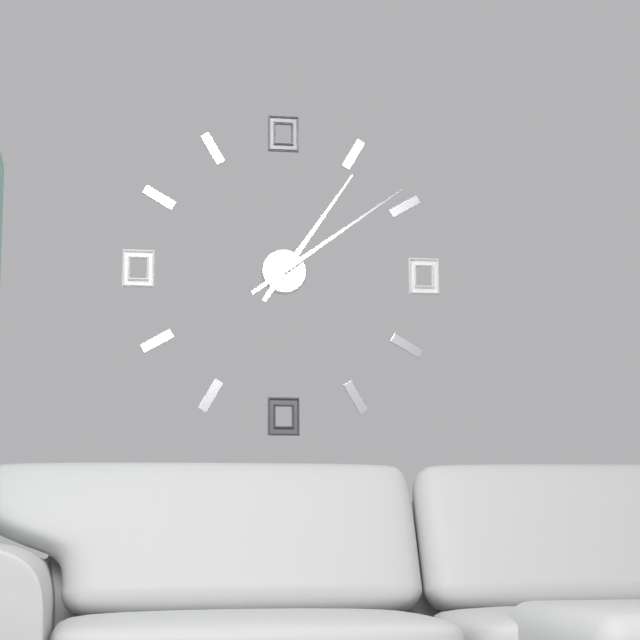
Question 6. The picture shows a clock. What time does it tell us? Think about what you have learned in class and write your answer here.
1:09
